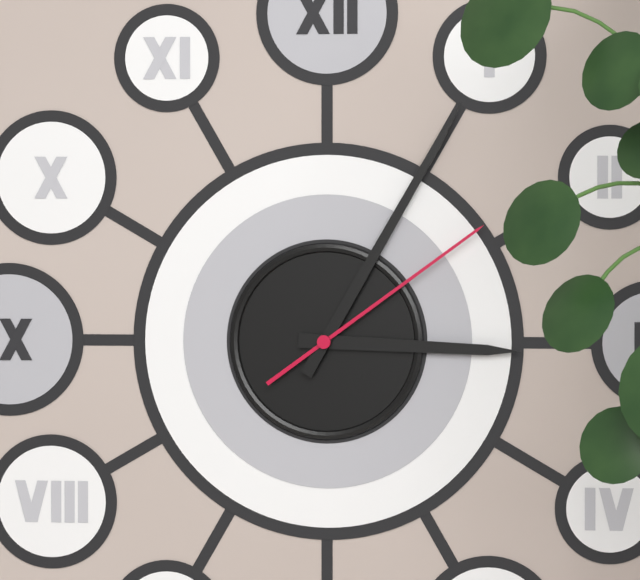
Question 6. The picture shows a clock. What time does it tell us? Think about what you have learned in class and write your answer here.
3:05:09
